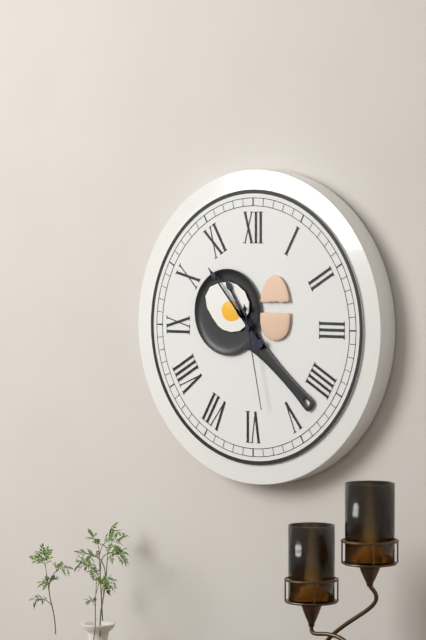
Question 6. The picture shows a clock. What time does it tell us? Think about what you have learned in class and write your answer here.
10:53:28
